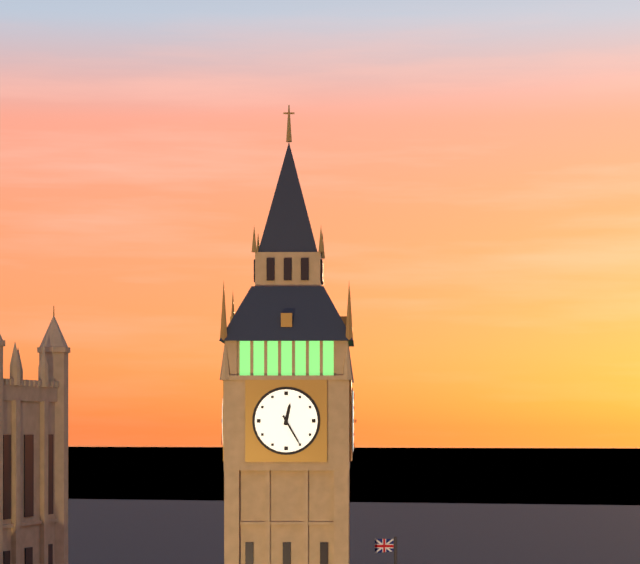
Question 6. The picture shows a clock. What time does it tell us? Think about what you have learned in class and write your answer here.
12:25
